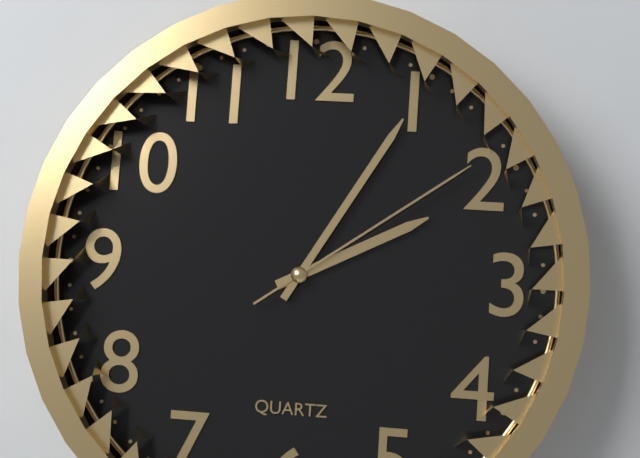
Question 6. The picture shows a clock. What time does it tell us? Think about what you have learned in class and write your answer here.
2:05:09
